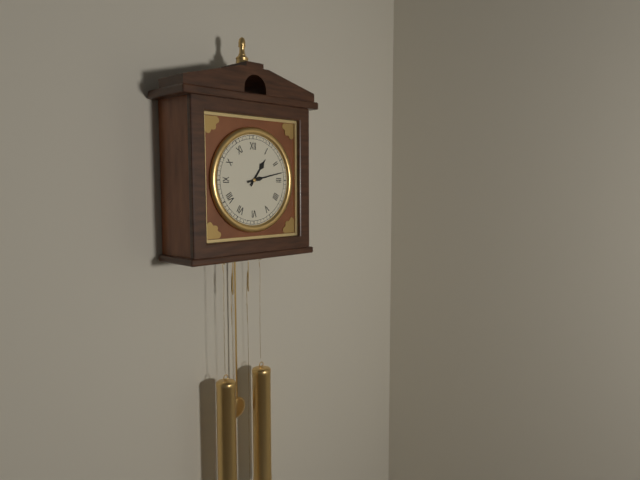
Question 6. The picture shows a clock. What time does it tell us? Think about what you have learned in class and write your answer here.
1:13
